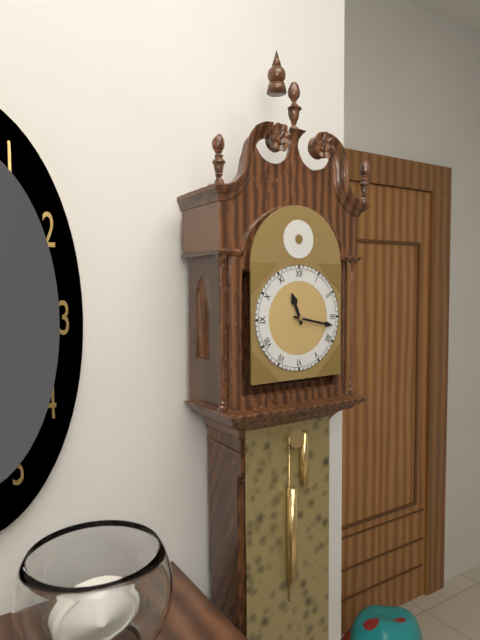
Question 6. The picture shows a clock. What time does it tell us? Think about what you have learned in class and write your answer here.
11:17
